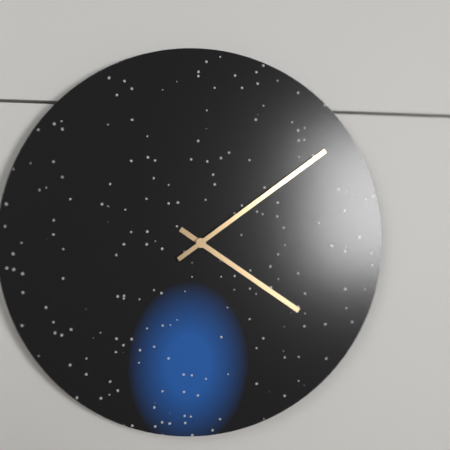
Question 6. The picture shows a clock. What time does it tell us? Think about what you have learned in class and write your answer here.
4:09
